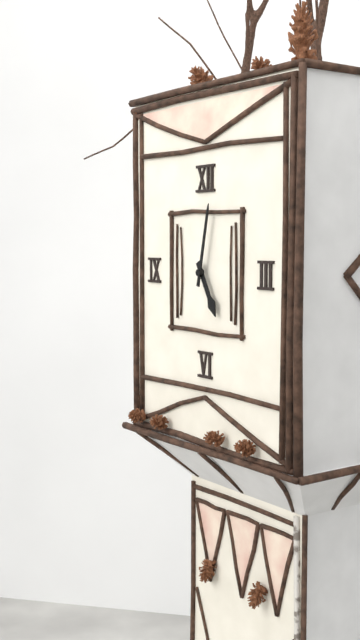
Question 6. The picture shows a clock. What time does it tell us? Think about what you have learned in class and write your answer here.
5:02
